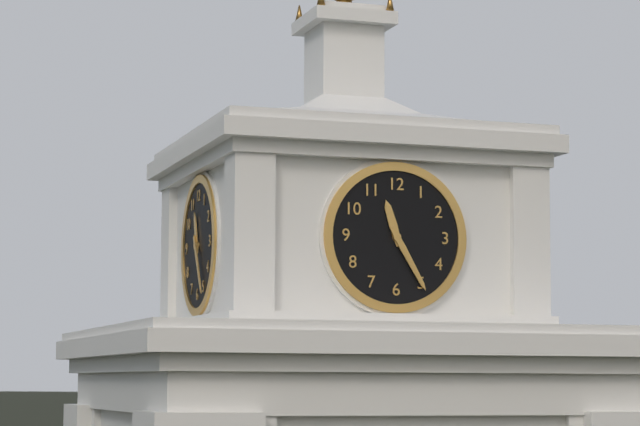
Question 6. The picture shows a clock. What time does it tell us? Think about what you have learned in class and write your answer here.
11:25
